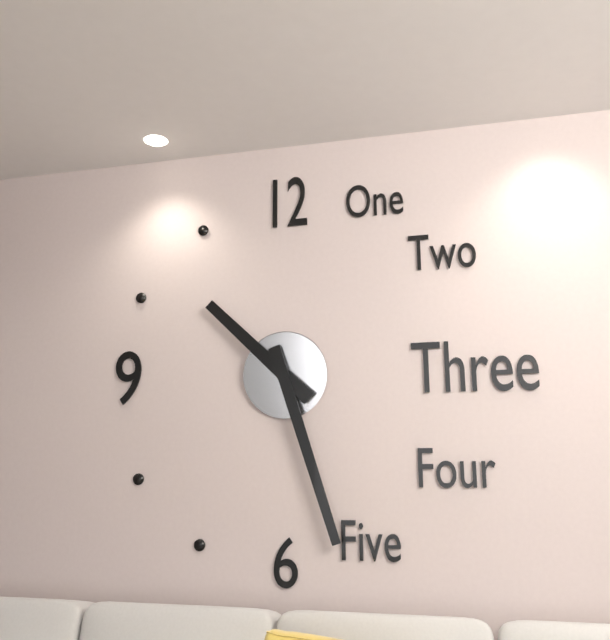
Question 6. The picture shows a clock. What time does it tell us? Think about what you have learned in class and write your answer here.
10:27
